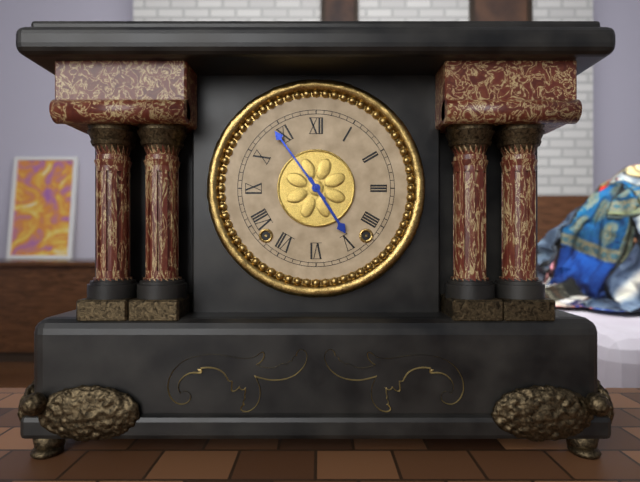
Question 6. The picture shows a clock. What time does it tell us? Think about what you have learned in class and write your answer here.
4:54
